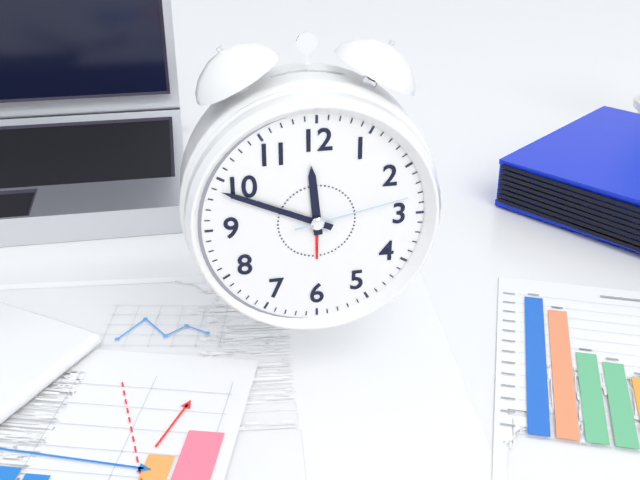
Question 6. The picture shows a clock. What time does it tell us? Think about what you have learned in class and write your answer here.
11:49:13
